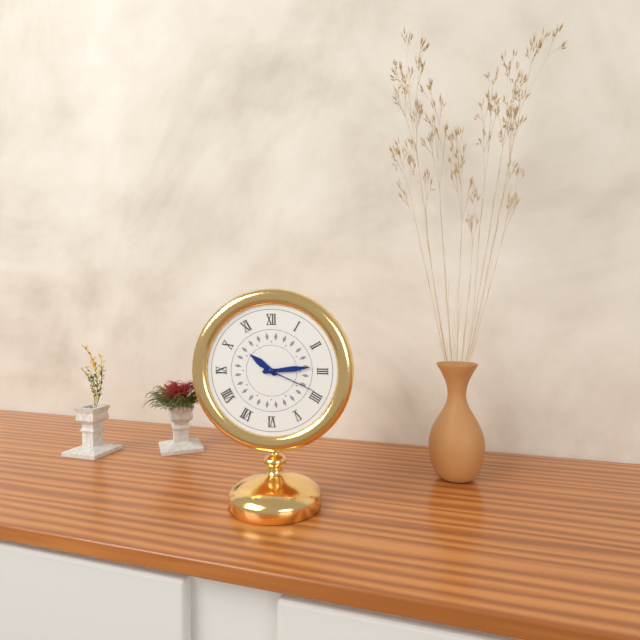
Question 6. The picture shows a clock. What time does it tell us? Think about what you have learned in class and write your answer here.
10:14:19
